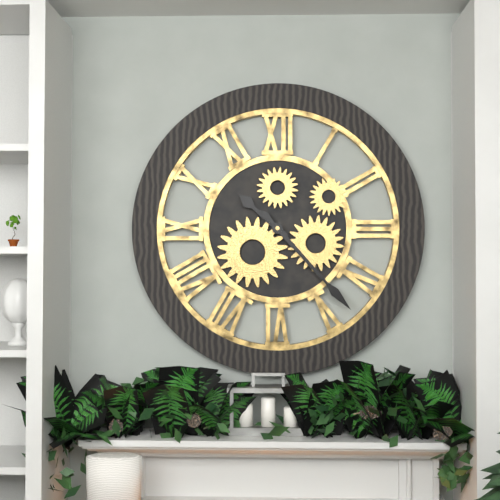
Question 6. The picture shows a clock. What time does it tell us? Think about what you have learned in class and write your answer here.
10:23
